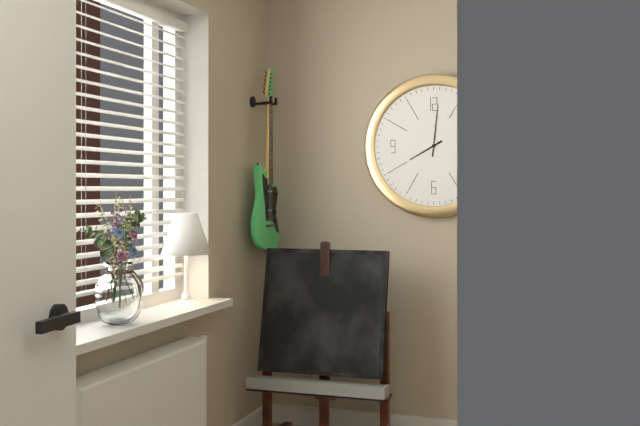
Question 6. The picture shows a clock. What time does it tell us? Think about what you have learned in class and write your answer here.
8:01
